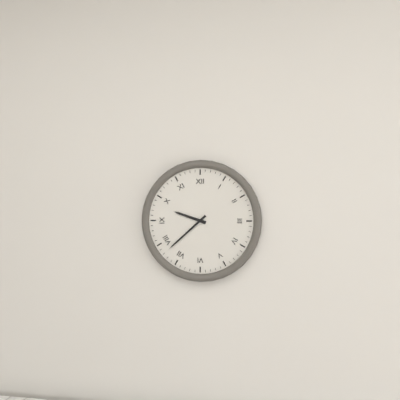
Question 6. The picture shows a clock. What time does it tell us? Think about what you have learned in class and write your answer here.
9:38
